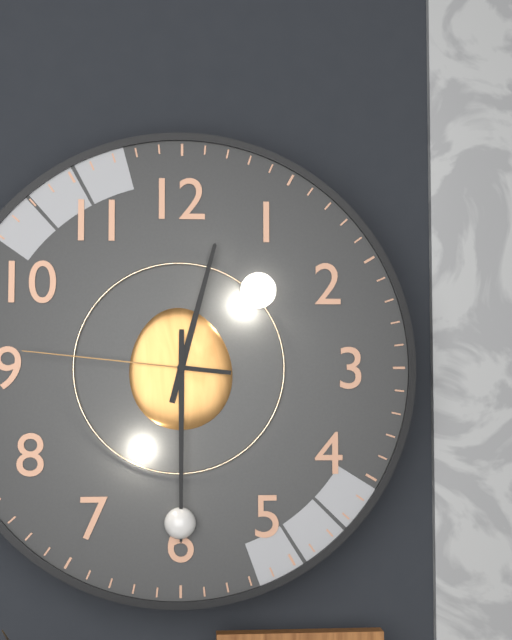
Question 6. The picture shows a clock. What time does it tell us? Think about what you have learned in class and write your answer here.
12:30:46
